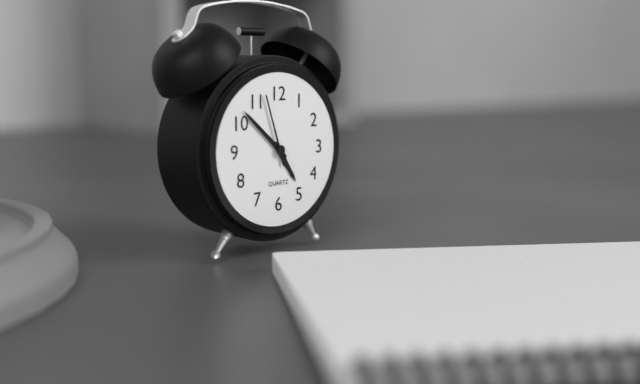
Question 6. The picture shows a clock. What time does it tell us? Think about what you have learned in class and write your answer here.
4:52:57
